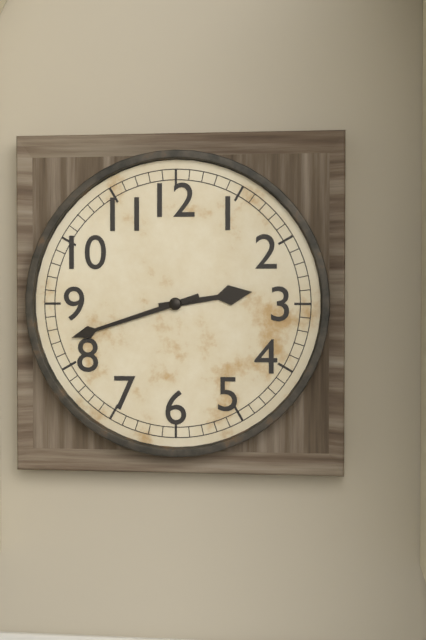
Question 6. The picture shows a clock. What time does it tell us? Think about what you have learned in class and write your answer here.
2:42
